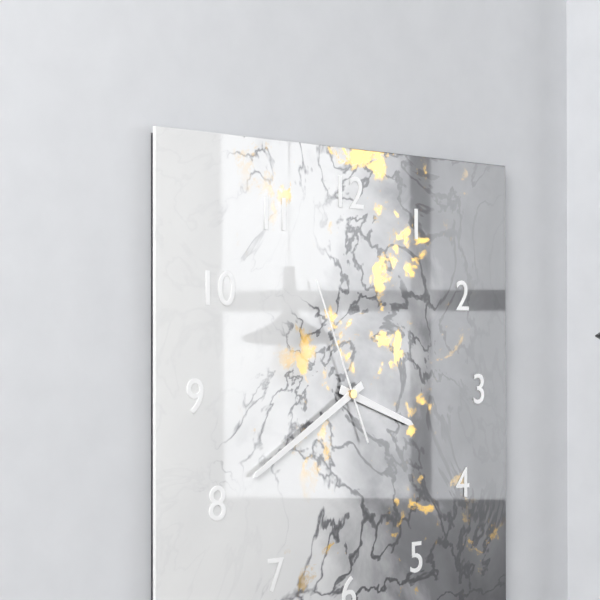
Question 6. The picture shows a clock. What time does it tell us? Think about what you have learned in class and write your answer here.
3:40:56
